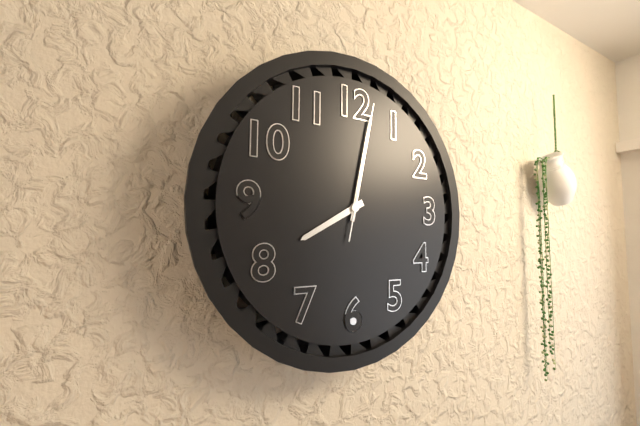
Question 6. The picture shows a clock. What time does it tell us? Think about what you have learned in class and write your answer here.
8:02:02
